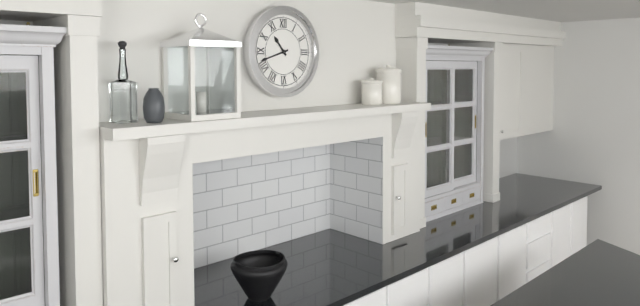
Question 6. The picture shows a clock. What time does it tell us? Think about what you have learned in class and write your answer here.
10:42
